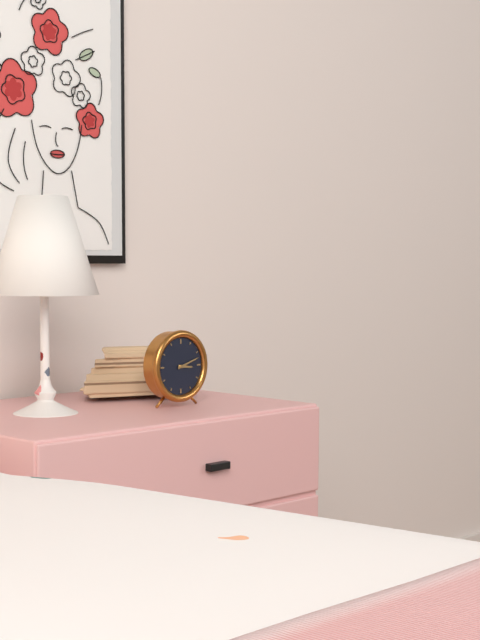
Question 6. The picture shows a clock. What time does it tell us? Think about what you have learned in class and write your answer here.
3:12
